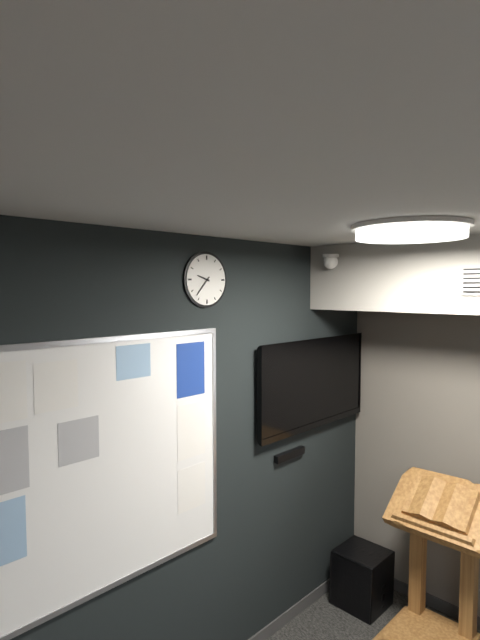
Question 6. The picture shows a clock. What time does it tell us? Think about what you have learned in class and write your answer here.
9:37
